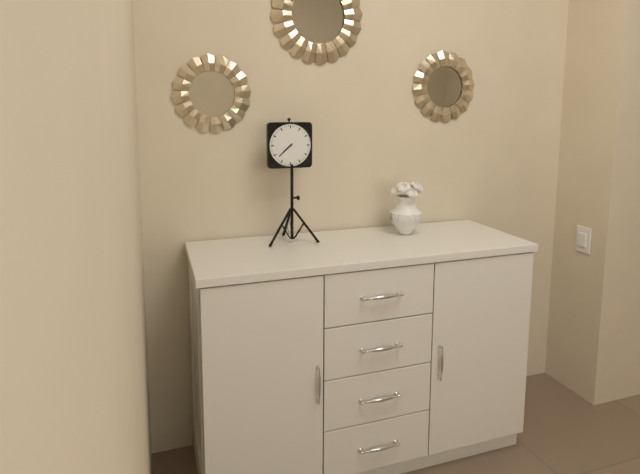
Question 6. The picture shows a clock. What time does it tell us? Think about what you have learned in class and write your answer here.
7:38
